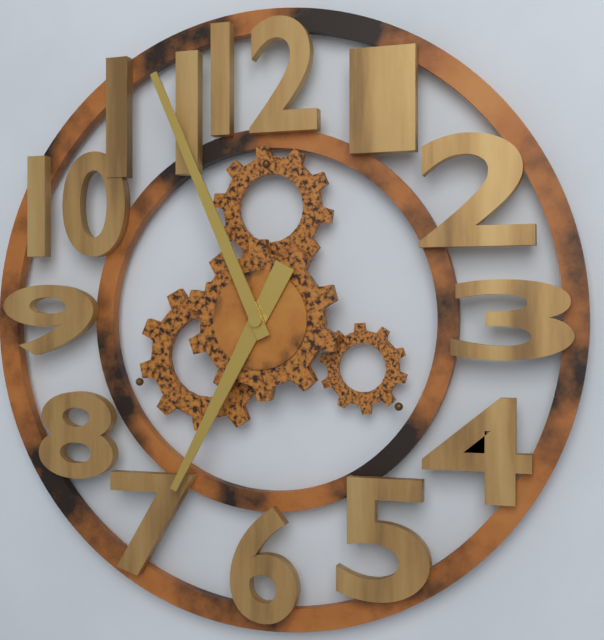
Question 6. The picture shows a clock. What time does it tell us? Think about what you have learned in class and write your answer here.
6:56
